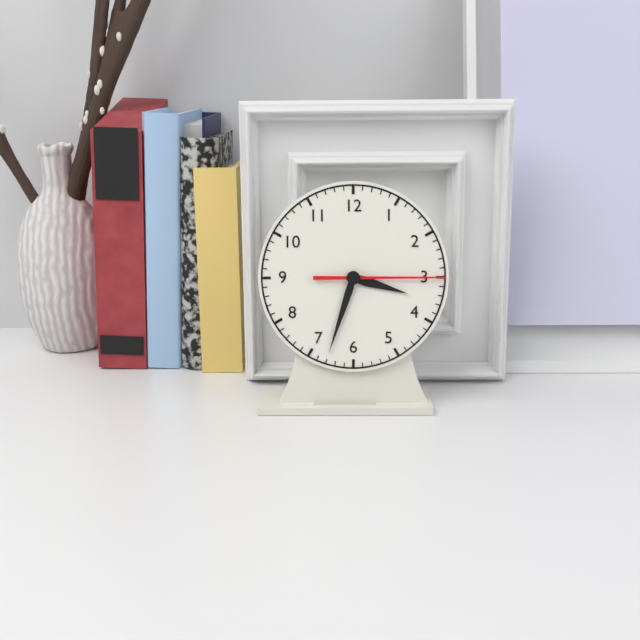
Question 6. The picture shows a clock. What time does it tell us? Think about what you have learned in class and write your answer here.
3:33:15
